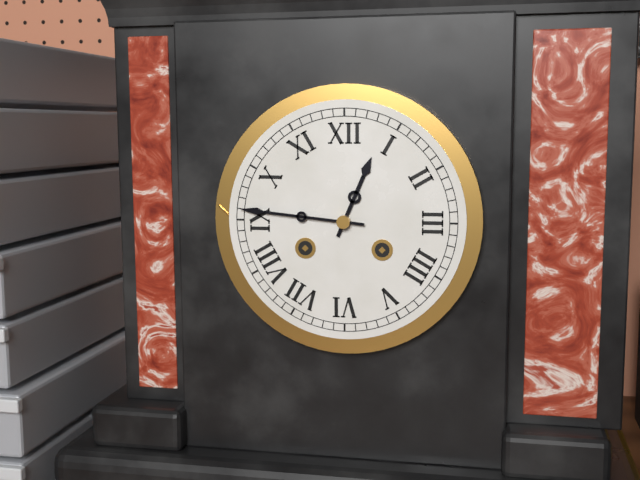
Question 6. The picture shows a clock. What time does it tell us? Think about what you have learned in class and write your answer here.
12:46
